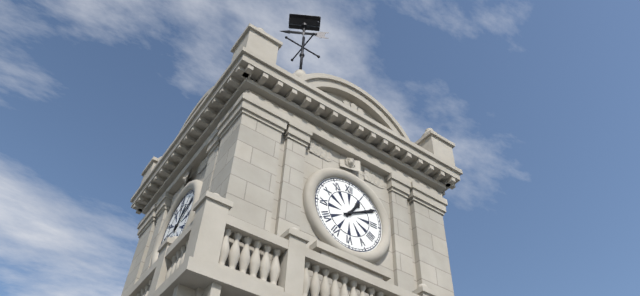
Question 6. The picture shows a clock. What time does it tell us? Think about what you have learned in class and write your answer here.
1:10
